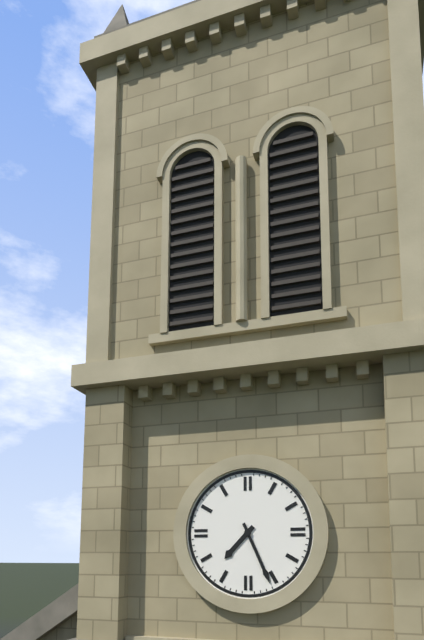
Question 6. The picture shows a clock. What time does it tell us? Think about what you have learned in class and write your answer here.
7:26
